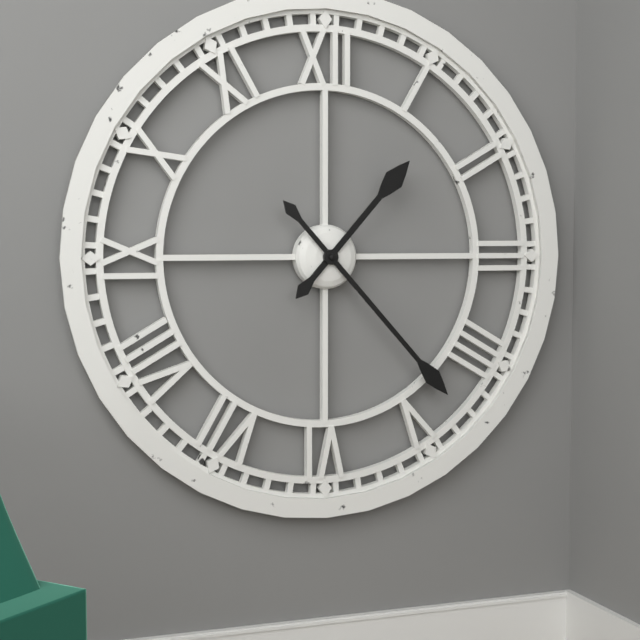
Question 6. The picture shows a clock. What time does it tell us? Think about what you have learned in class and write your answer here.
1:23
